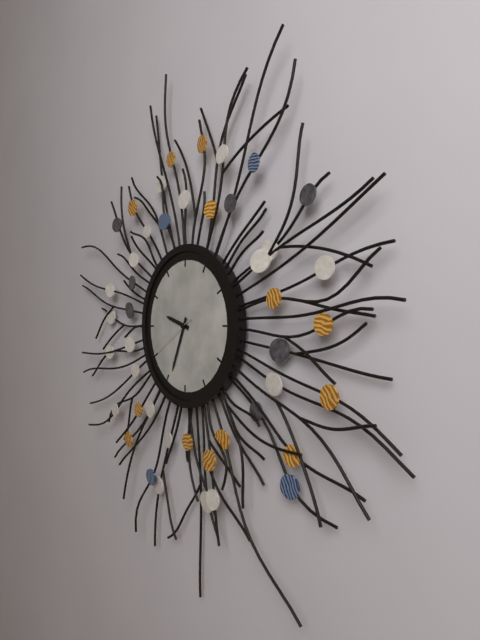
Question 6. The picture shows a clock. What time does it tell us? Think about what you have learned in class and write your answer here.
9:34:40
